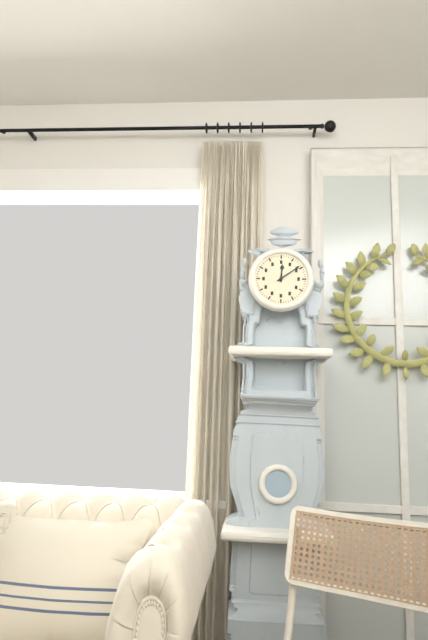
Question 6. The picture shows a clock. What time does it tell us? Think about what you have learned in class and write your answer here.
12:09
